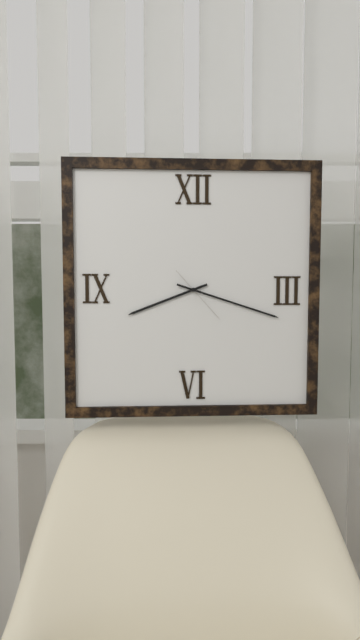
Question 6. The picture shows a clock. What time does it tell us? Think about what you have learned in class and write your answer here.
8:18:23
